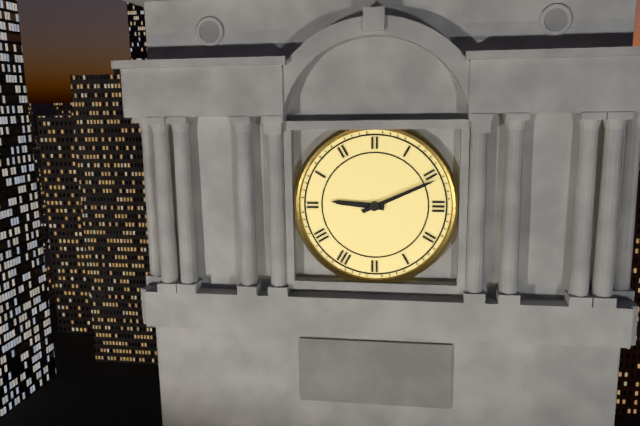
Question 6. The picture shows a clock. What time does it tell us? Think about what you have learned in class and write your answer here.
9:11
